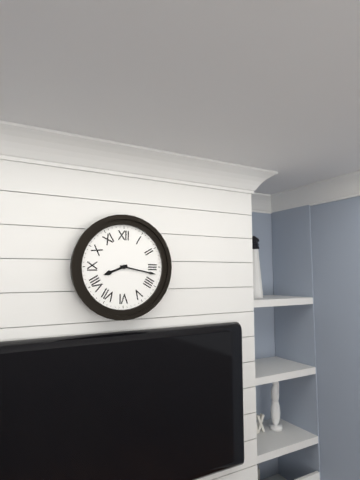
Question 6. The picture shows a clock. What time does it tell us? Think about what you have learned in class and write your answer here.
8:17
